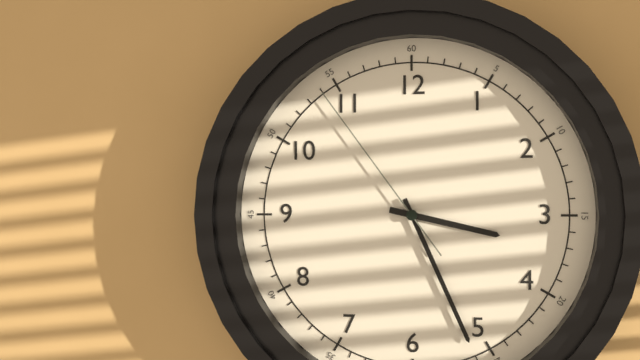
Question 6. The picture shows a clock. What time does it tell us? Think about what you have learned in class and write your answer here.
3:26:54
